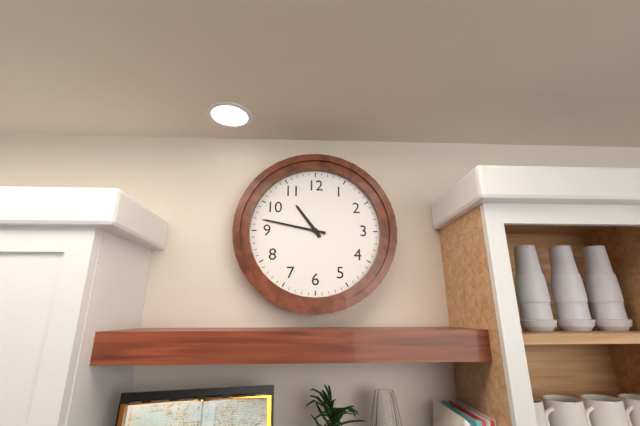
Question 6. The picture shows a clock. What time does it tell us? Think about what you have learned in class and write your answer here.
10:47
